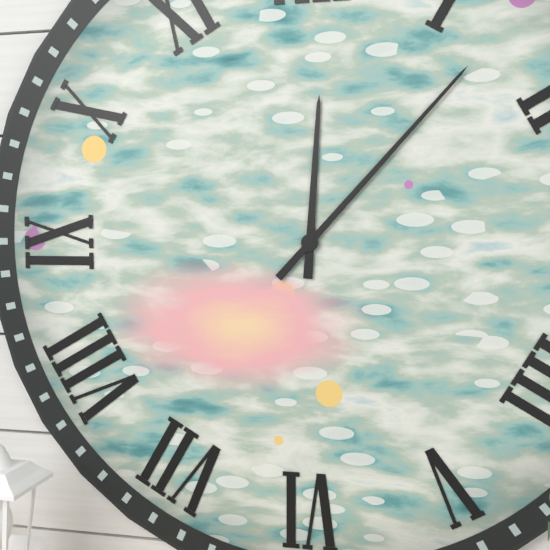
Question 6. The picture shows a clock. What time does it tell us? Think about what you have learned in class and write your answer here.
12:07
